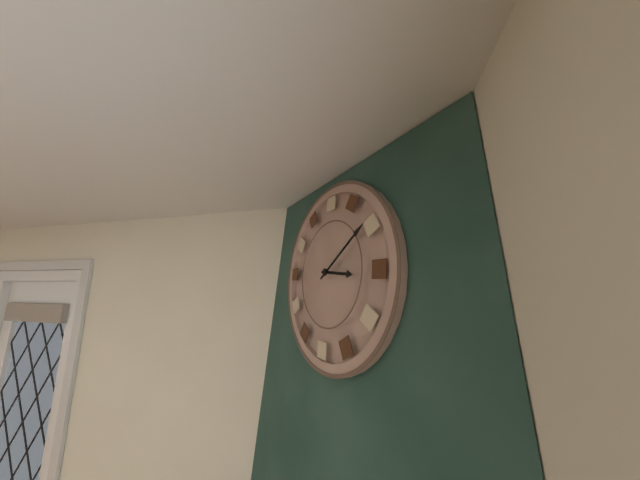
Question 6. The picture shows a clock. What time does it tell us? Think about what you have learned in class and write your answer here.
3:09
